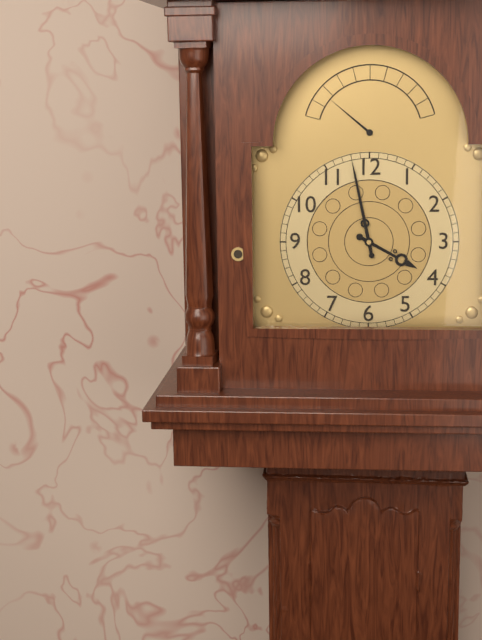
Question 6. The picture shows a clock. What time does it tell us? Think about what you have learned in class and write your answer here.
3:58
